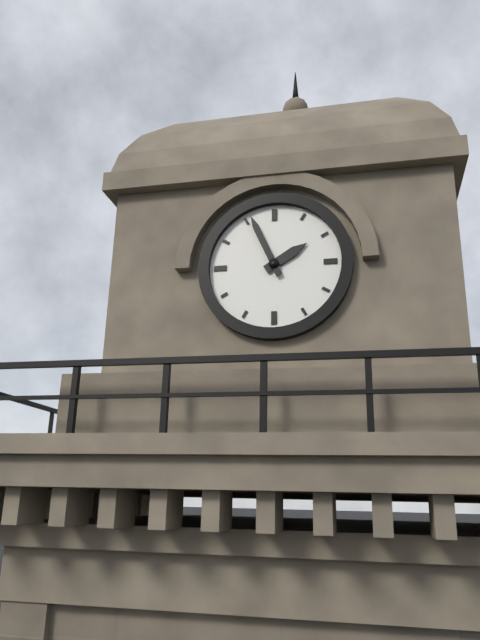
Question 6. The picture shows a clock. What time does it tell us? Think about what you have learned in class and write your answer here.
1:56
